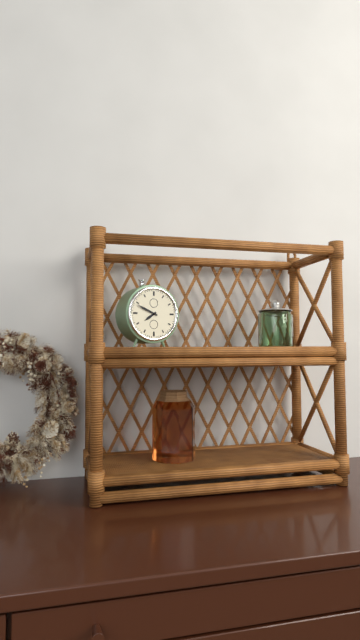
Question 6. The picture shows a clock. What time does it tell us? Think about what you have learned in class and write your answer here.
7:49
